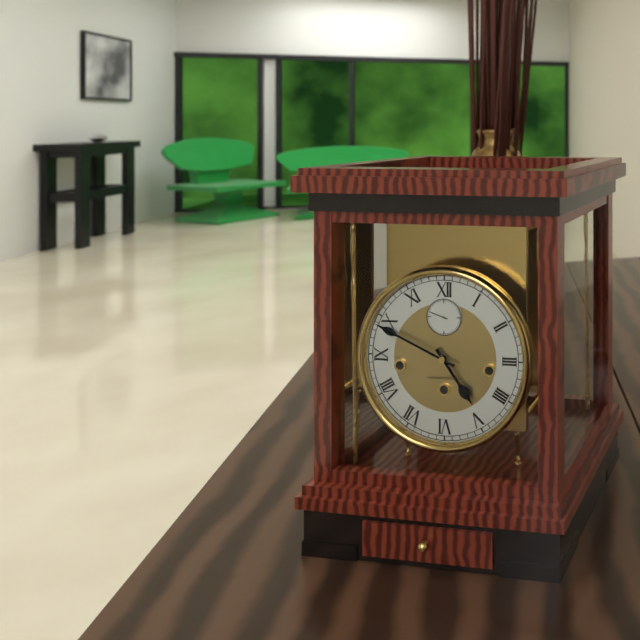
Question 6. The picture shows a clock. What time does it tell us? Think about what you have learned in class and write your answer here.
4:49
